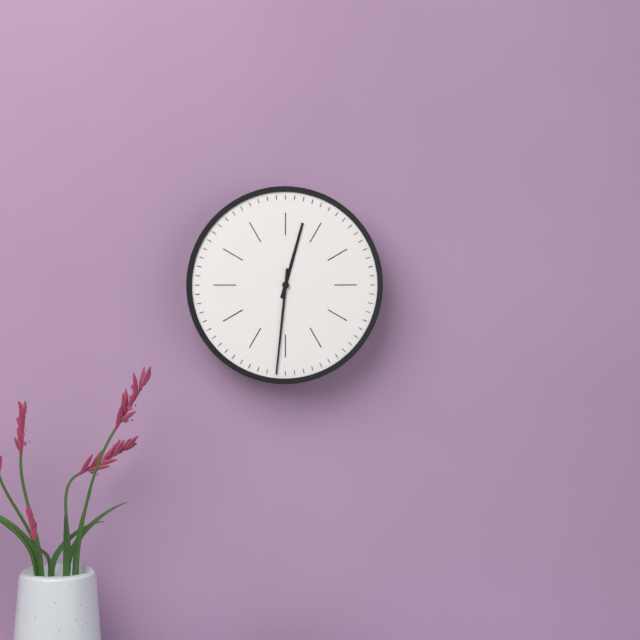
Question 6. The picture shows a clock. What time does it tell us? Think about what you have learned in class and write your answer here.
12:31
